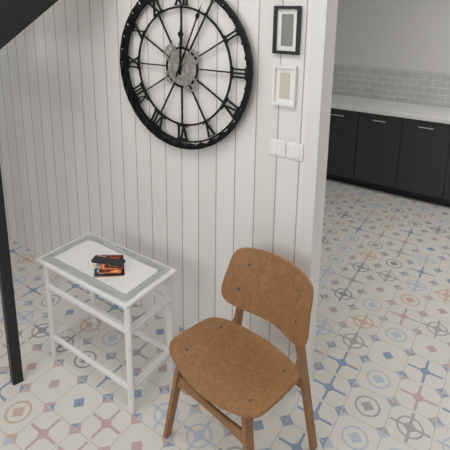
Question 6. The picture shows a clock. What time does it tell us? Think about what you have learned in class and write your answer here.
12:04
